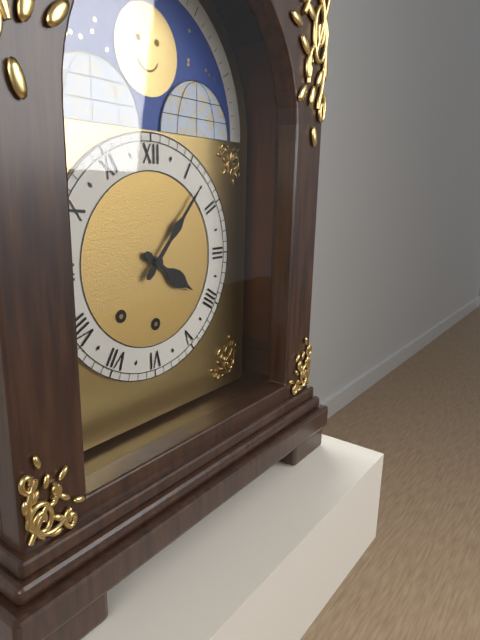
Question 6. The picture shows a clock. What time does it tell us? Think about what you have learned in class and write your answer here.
4:07
